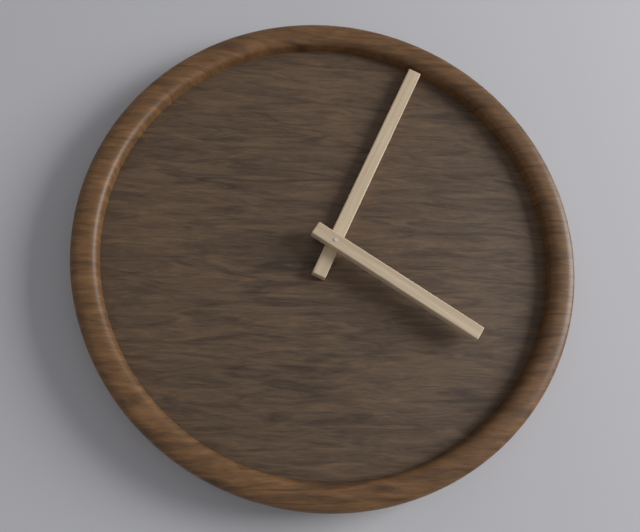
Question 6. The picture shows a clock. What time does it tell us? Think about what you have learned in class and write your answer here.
4:04
